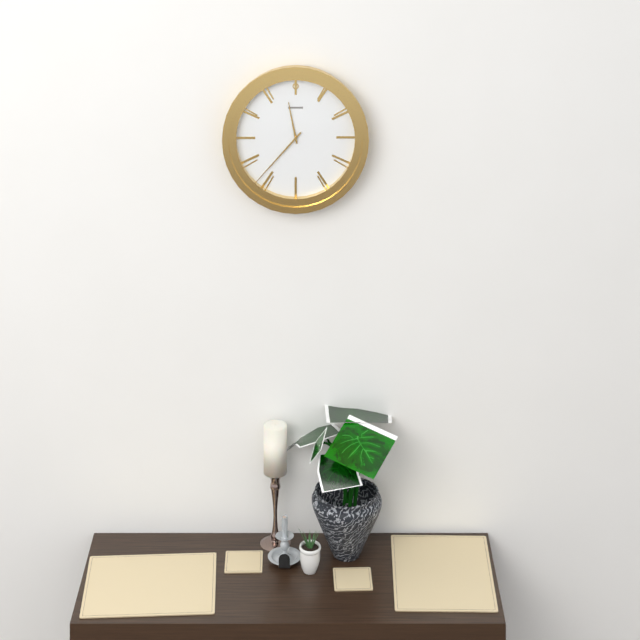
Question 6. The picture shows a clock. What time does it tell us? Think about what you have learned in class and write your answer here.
11:37
